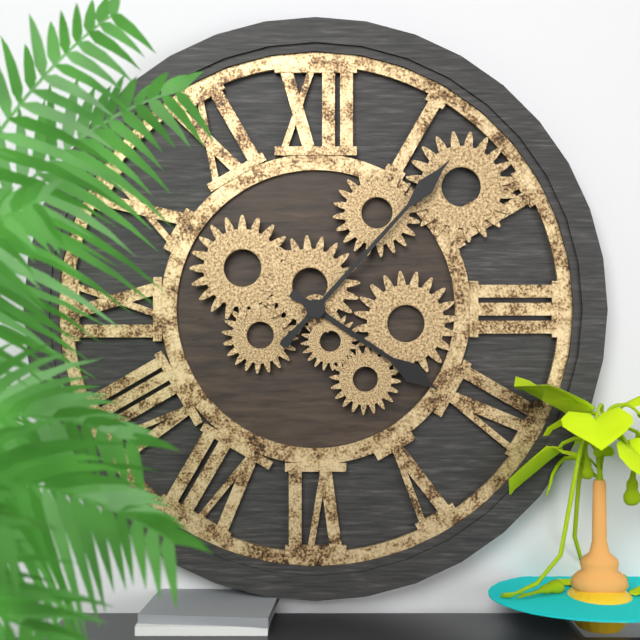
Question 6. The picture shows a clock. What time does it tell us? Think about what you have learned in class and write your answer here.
4:07
